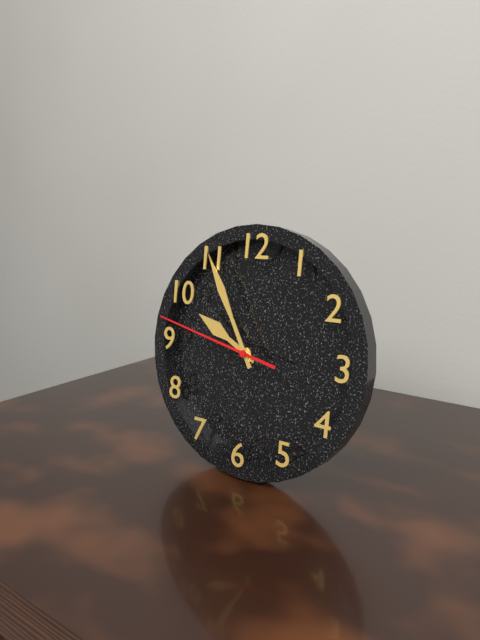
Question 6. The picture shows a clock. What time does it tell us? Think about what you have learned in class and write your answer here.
9:55:47
